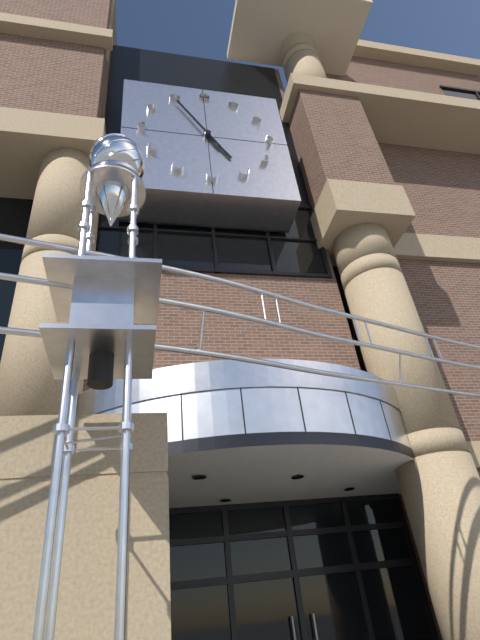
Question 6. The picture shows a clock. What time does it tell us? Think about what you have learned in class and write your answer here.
4:55
